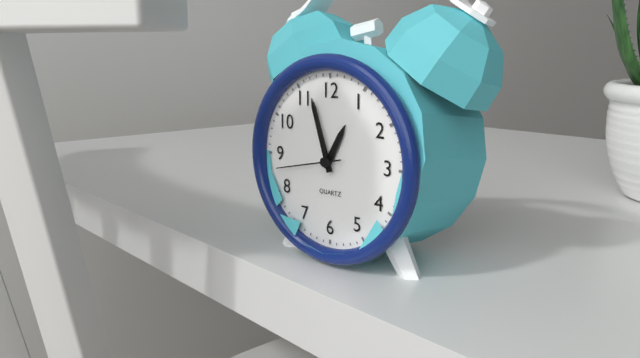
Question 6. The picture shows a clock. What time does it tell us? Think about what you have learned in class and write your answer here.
12:57:43
